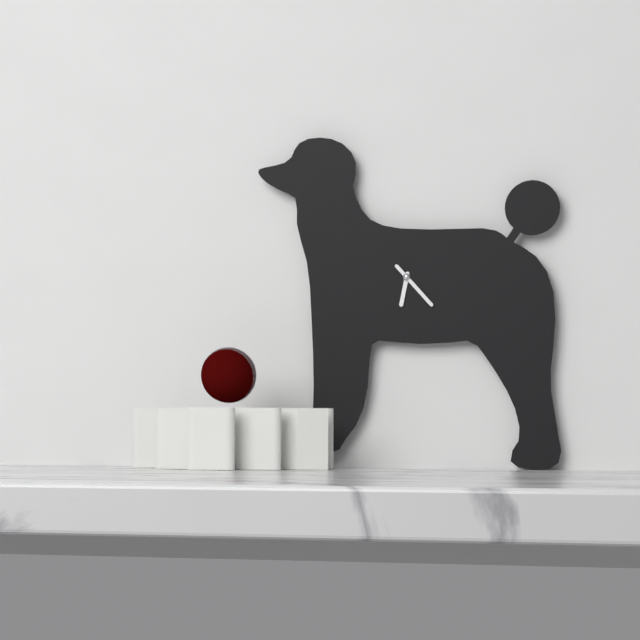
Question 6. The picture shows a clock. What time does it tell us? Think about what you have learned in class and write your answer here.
6:23
